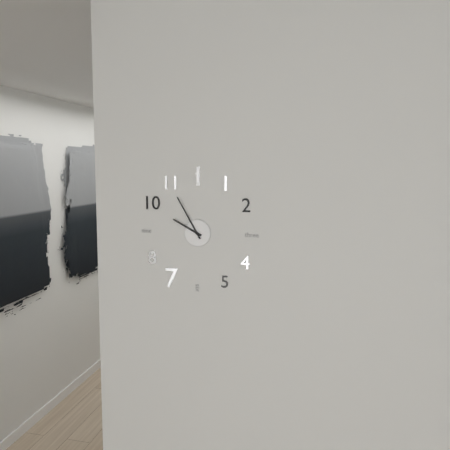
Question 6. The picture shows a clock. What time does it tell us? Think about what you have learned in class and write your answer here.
9:55
